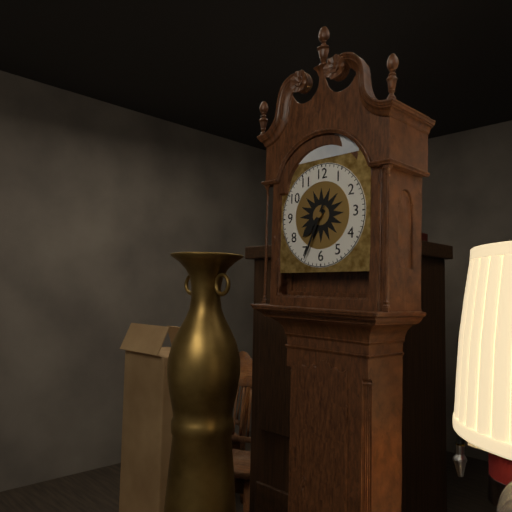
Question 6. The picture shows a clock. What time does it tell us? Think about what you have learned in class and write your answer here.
7:34
